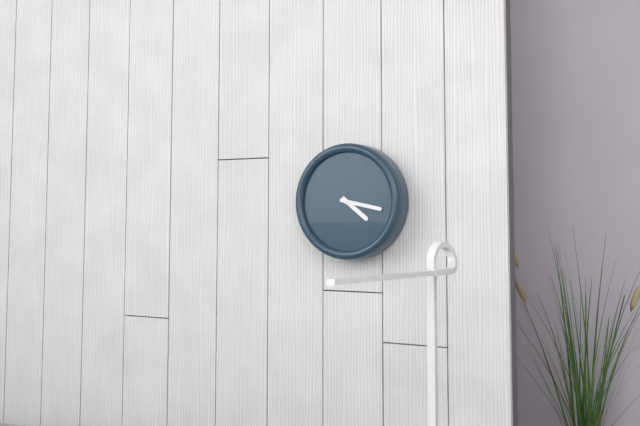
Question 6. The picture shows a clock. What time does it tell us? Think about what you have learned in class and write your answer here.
4:17
